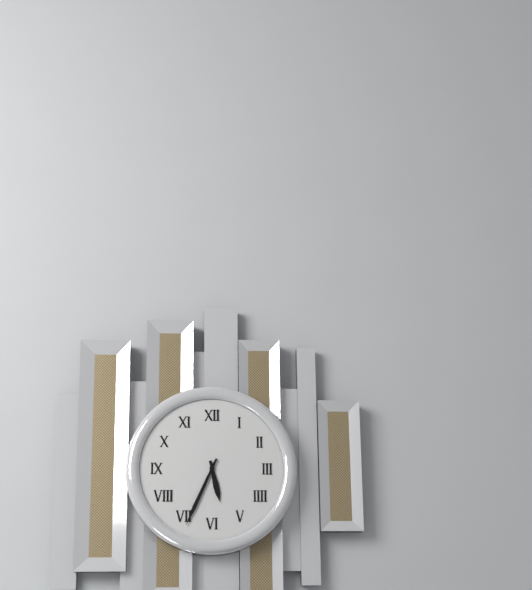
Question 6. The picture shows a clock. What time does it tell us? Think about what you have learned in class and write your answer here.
5:34
